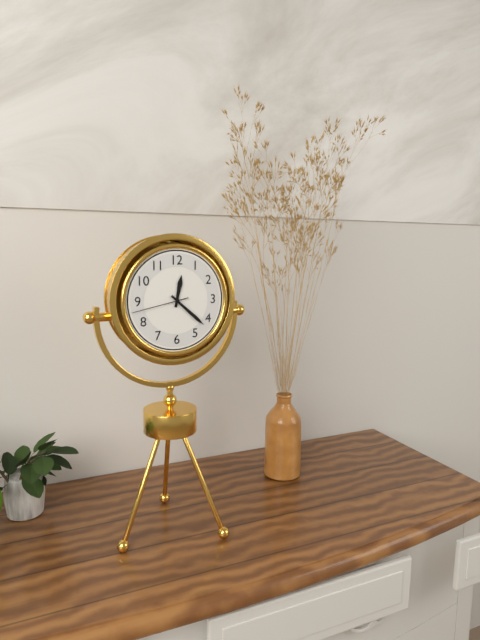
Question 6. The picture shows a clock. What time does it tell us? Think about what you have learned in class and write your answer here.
12:22:43
